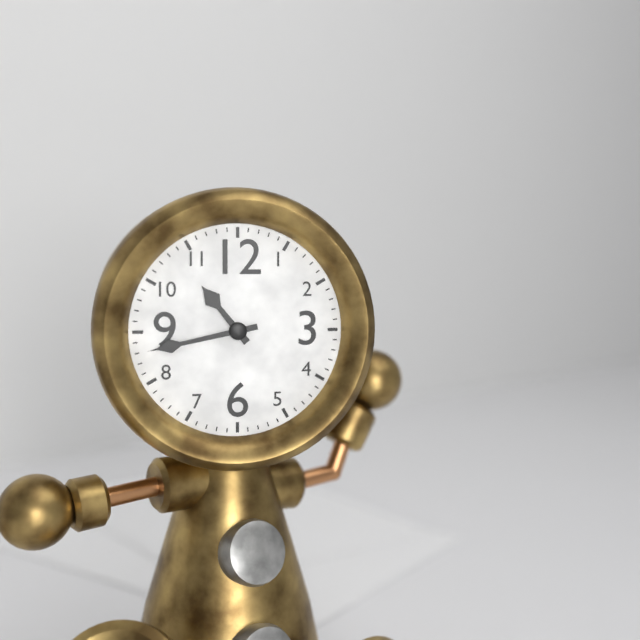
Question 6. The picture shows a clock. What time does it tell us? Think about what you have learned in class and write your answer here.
10:43
